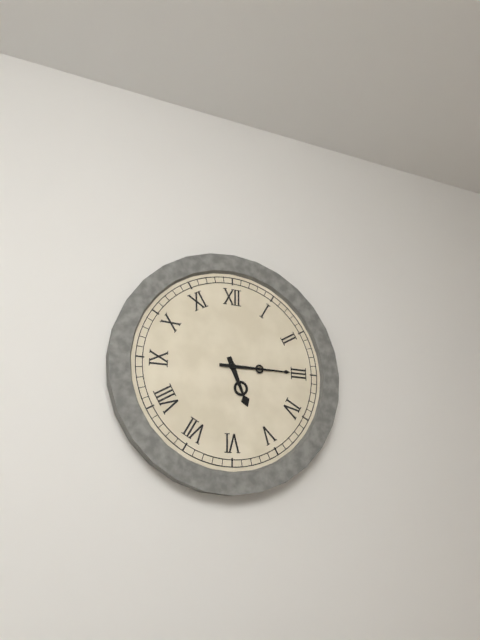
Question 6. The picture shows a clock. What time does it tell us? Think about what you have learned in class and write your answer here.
5:15
